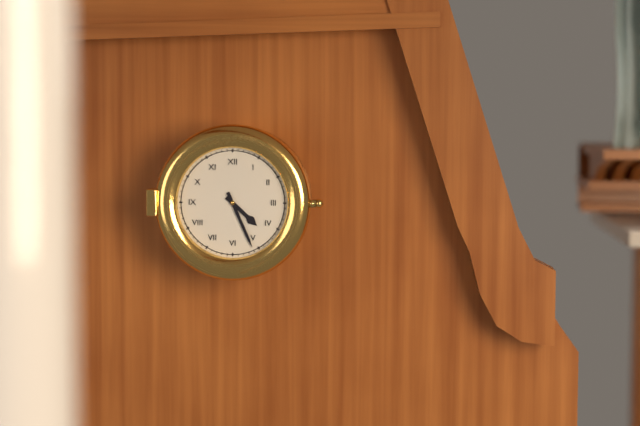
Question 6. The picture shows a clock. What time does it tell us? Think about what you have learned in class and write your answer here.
4:26
